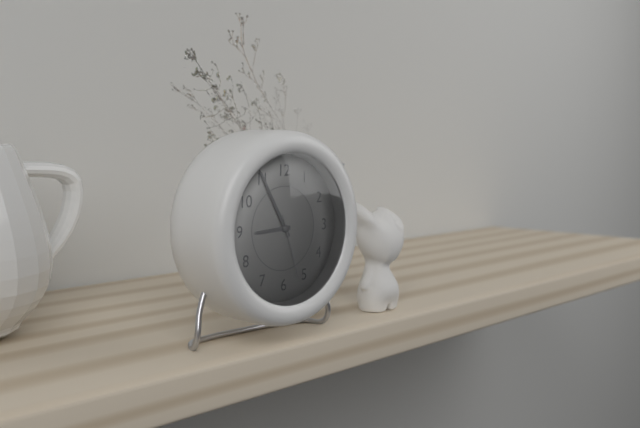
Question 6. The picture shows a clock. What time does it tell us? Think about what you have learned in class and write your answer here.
8:55:27
